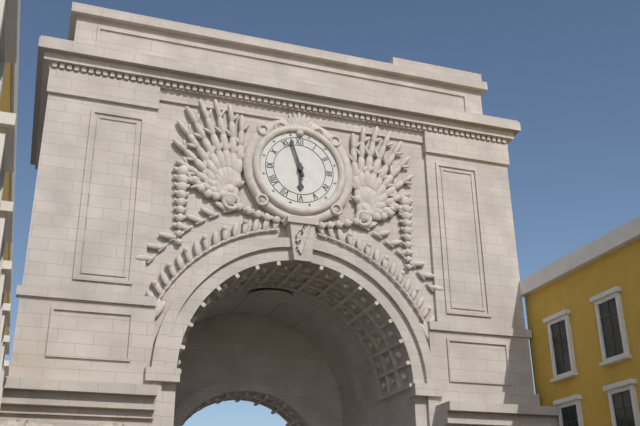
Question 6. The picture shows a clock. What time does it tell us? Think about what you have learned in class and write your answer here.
5:57
